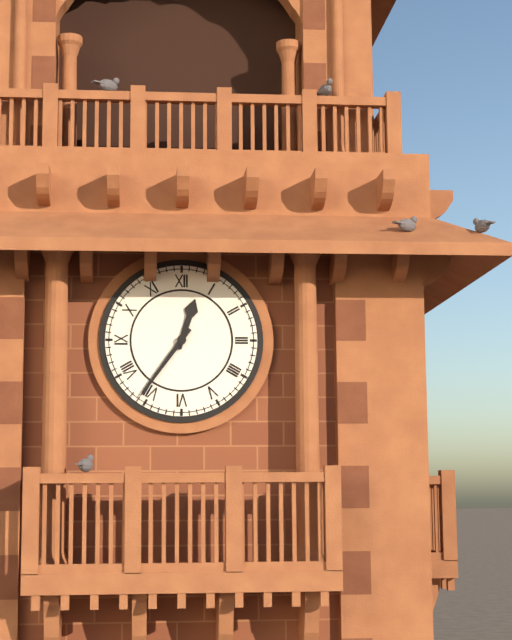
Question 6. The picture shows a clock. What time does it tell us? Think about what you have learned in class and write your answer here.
12:36
